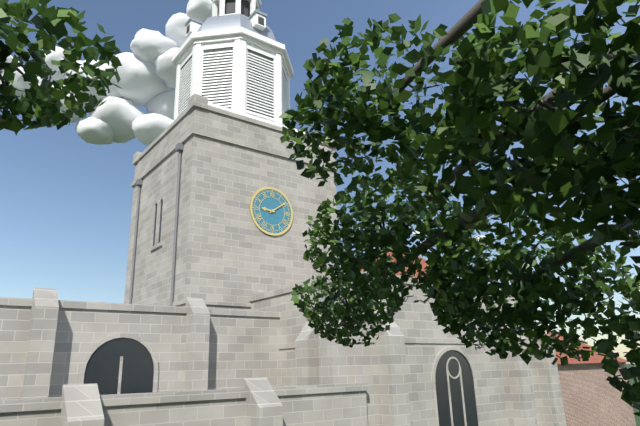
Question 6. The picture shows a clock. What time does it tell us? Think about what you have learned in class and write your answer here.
9:09
